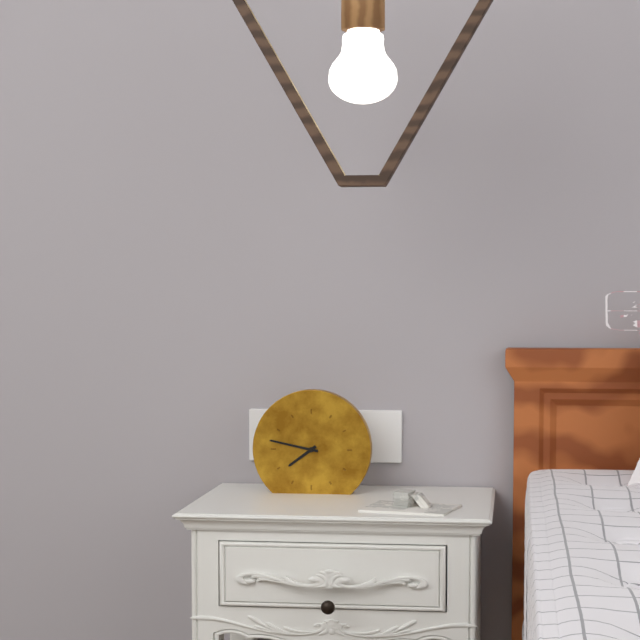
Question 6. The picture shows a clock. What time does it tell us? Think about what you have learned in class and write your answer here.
7:47
